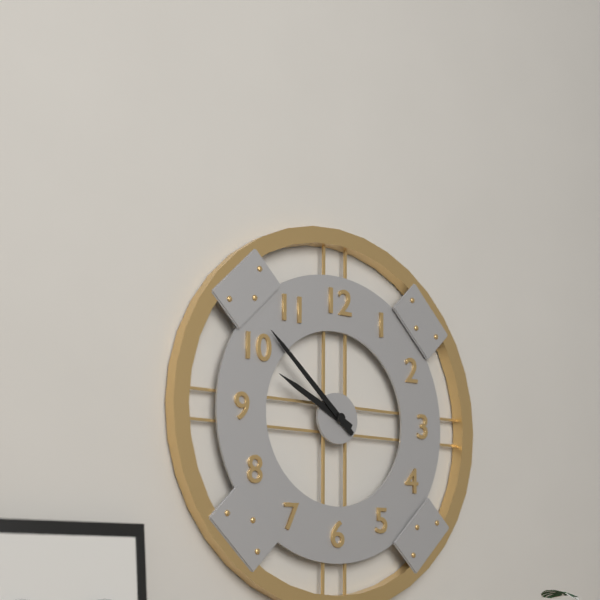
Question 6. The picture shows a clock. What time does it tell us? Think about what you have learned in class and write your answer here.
9:52
